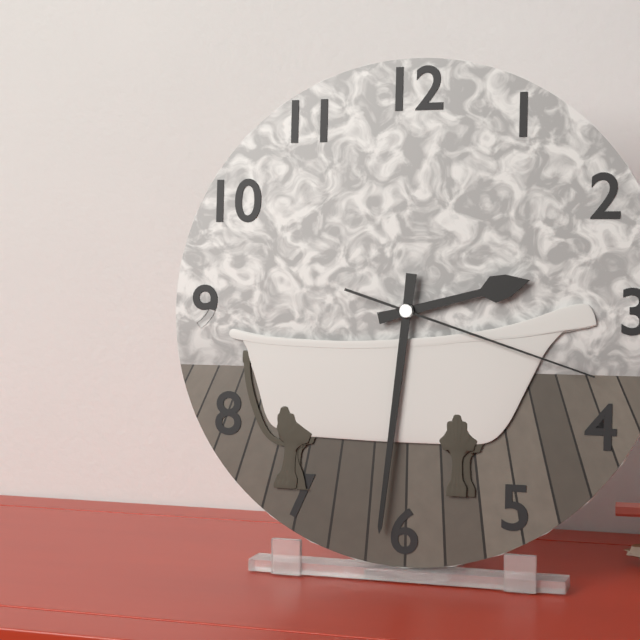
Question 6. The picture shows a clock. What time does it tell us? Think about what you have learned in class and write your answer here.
2:31:18
